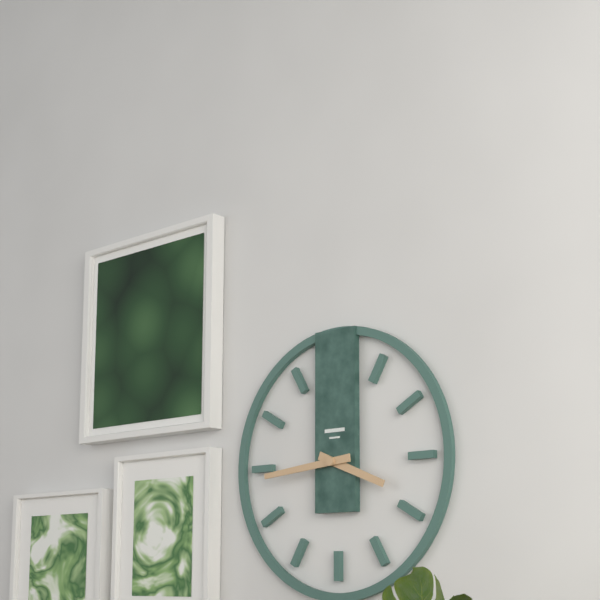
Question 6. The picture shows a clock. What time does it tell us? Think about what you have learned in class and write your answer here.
3:44
